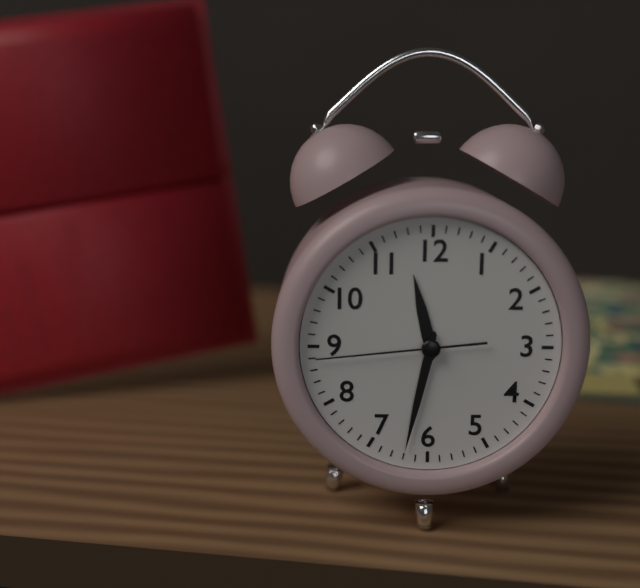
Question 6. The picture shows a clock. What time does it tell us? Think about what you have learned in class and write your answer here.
11:32:44
